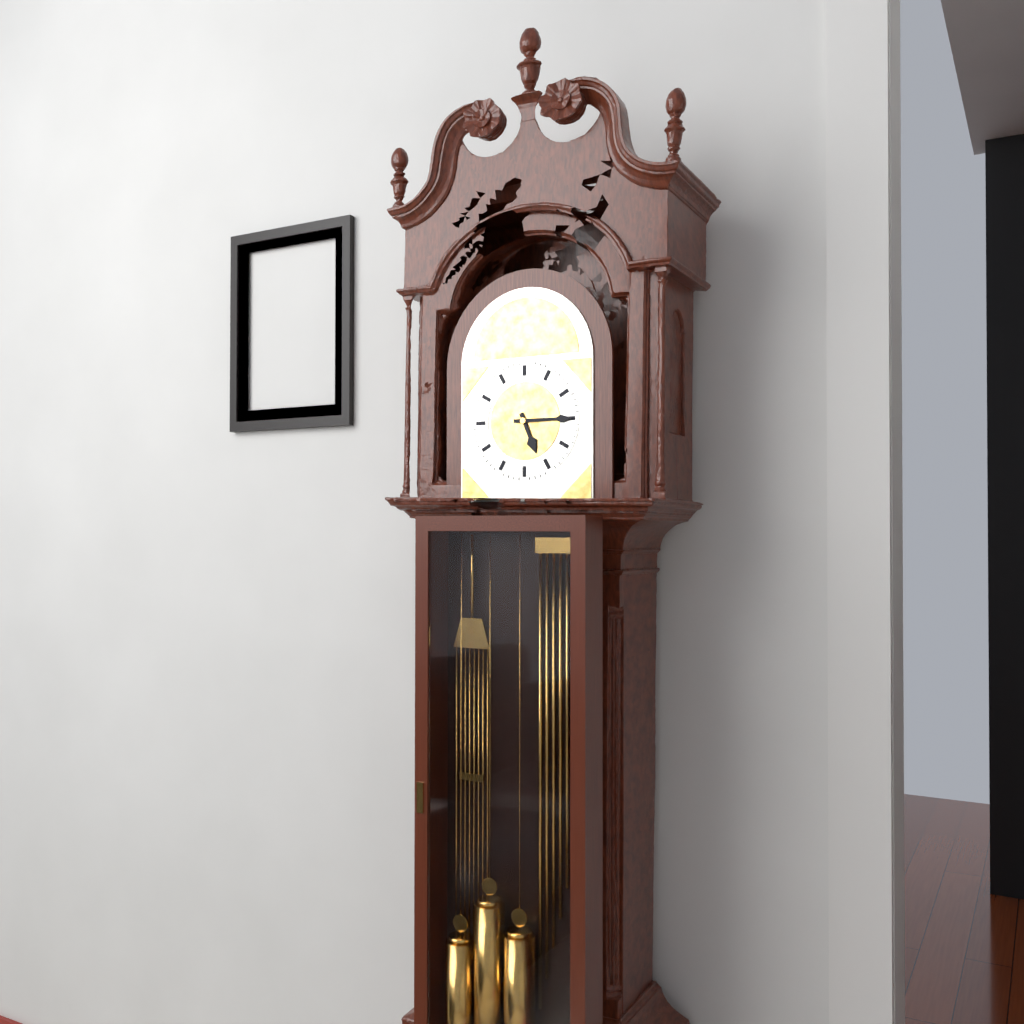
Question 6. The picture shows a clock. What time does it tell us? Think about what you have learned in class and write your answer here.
5:15
